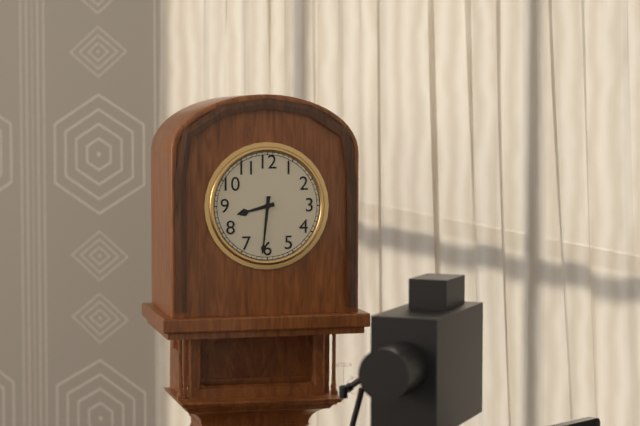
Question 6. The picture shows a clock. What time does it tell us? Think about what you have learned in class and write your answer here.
8:31
